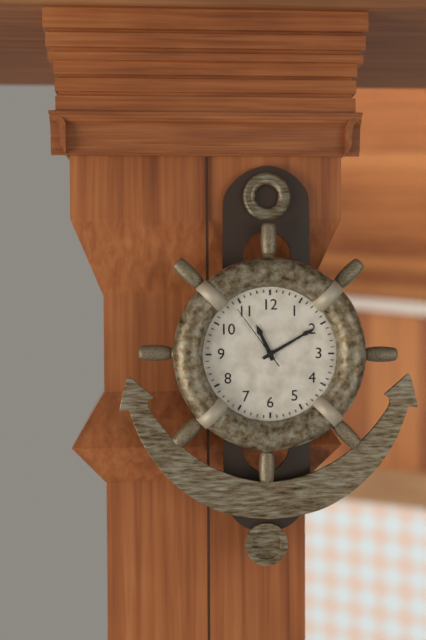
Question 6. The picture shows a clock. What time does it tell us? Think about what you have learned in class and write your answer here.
11:10:54
